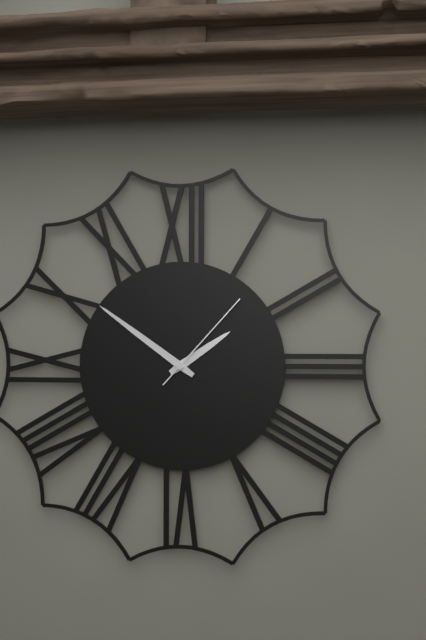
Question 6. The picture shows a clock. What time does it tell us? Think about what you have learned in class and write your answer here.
1:51:07
